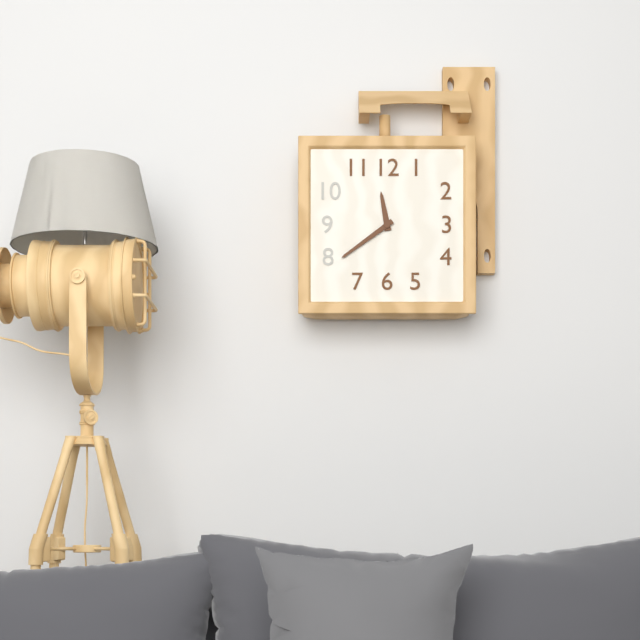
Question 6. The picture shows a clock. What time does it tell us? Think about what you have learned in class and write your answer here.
11:39
